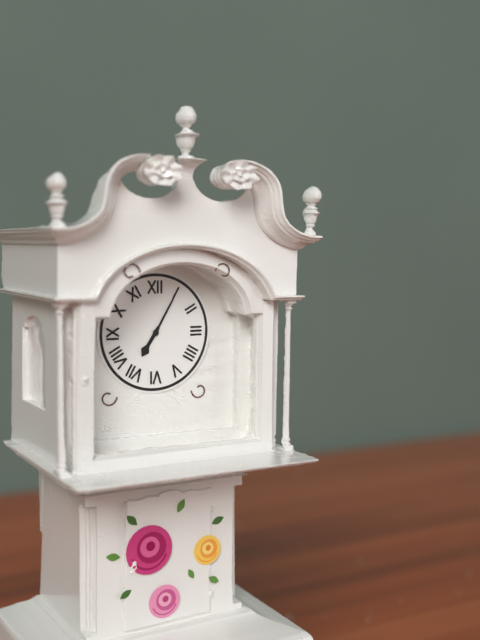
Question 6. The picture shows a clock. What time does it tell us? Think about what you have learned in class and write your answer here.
7:05
